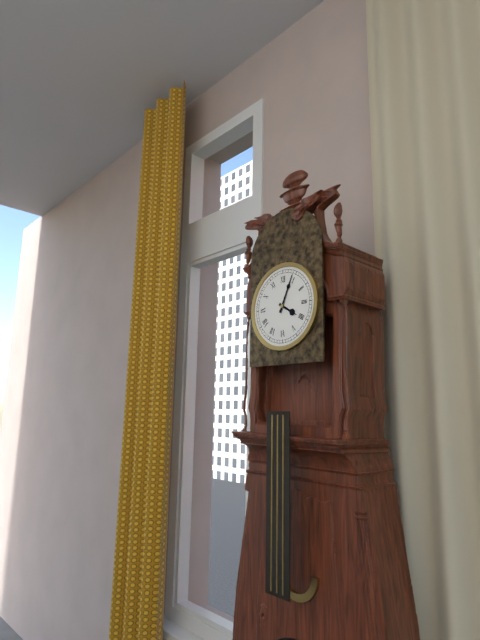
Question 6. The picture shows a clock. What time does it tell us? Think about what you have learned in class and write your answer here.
4:04
